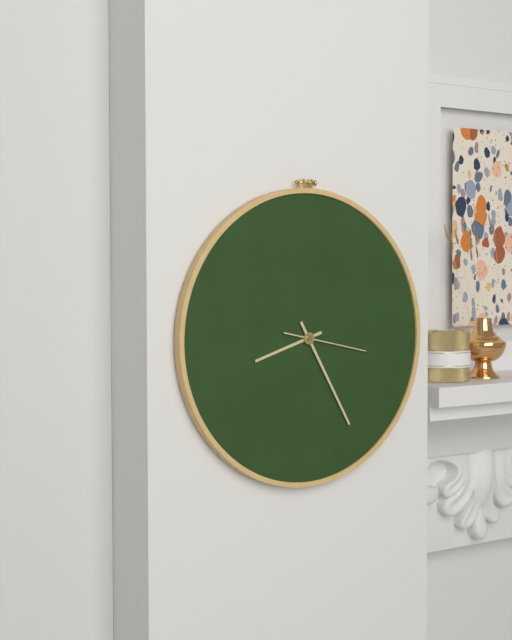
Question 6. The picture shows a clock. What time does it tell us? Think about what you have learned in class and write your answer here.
8:25:17
